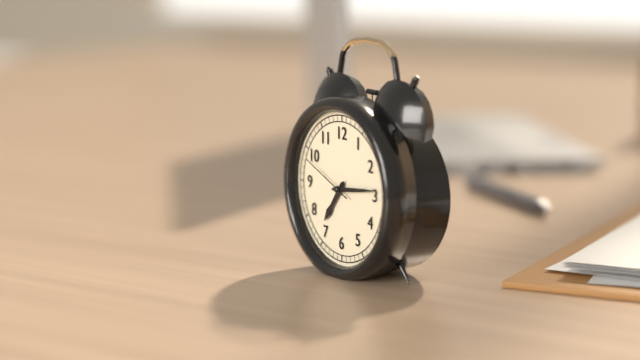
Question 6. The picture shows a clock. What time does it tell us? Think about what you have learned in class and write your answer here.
7:14:49
